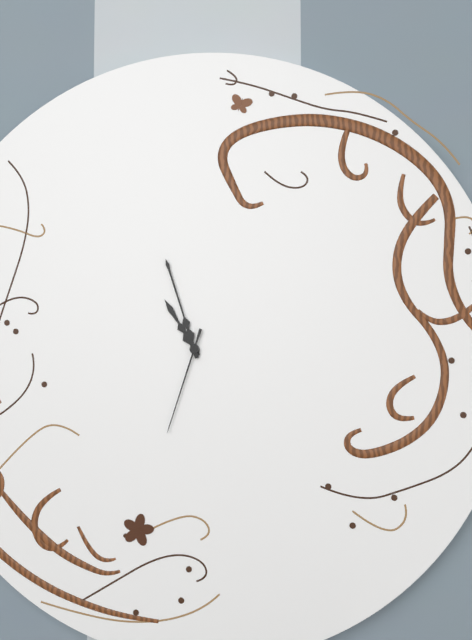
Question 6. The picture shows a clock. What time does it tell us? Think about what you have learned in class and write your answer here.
10:57:33
